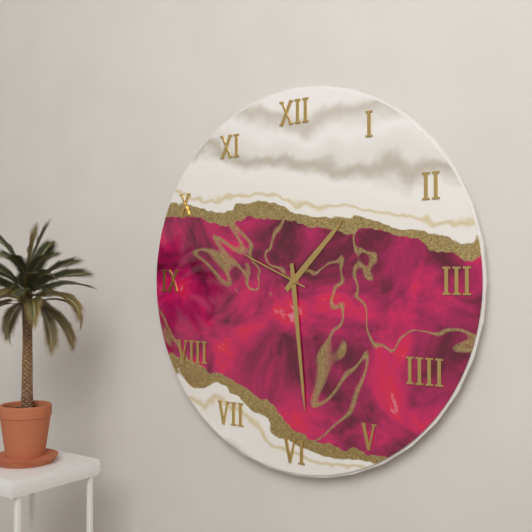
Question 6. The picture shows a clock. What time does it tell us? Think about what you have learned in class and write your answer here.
1:29:49
